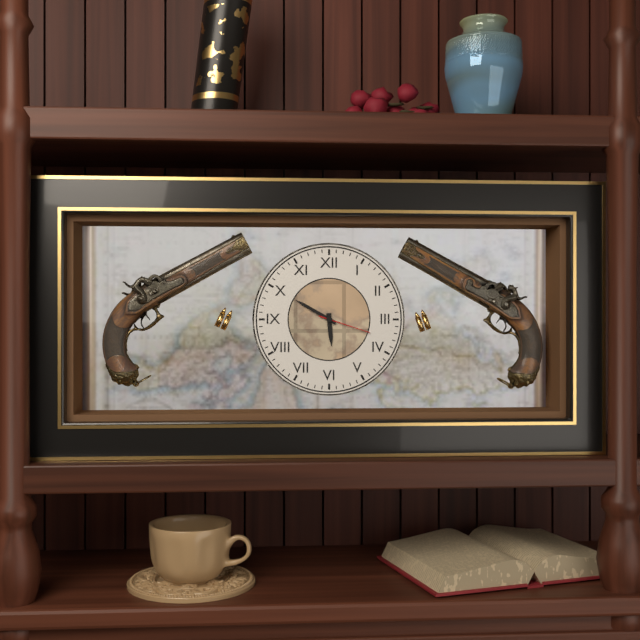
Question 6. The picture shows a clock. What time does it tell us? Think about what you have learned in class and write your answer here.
5:50:18
